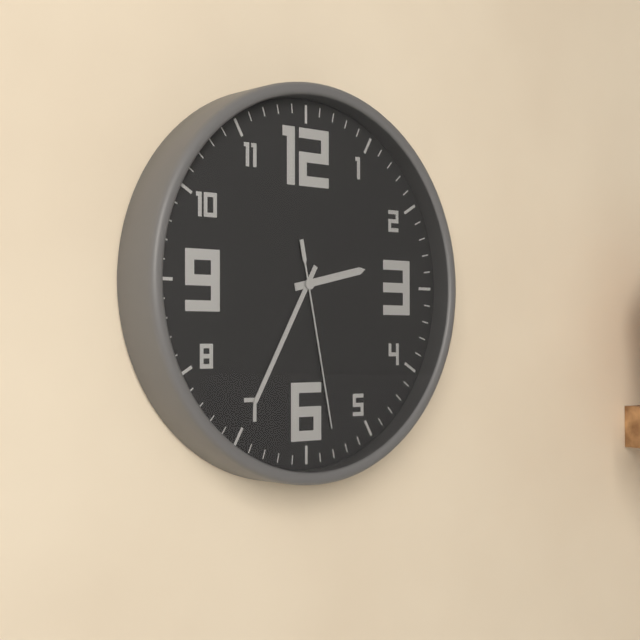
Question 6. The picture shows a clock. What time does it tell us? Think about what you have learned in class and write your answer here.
2:35:28
